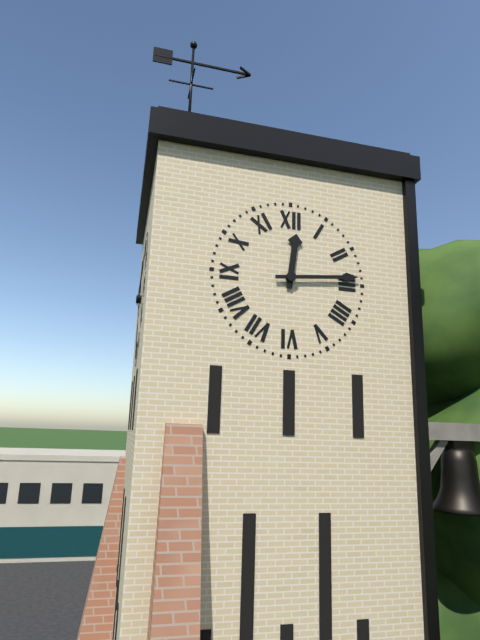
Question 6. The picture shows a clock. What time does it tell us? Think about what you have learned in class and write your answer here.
12:14
